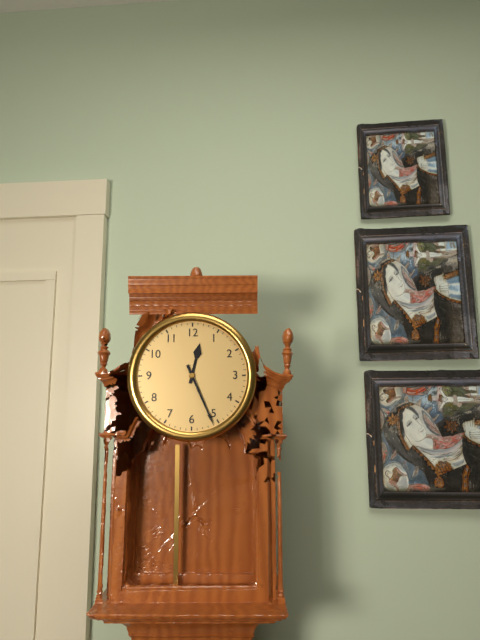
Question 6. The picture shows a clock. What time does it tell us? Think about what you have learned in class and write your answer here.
12:26
